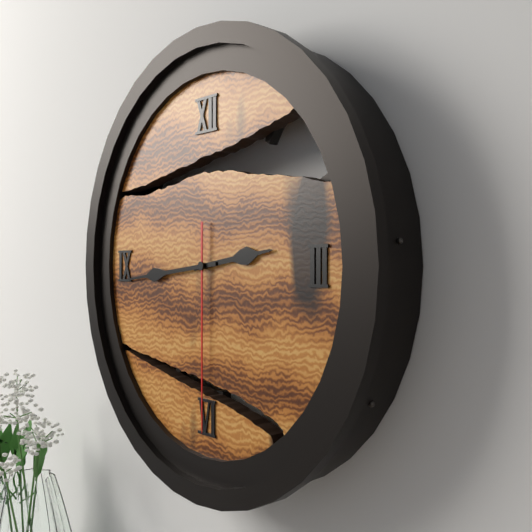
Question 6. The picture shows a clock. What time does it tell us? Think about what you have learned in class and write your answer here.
2:44:30
